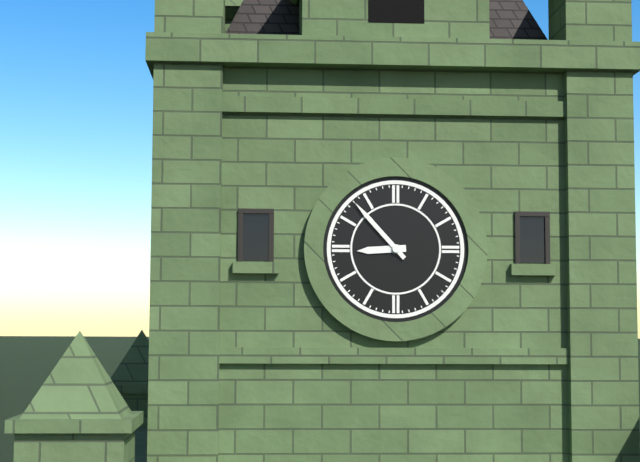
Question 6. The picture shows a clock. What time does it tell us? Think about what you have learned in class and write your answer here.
8:53
